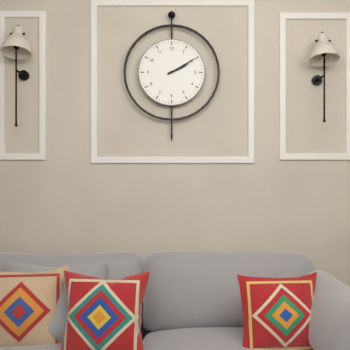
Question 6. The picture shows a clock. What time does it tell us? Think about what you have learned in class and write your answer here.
2:10
